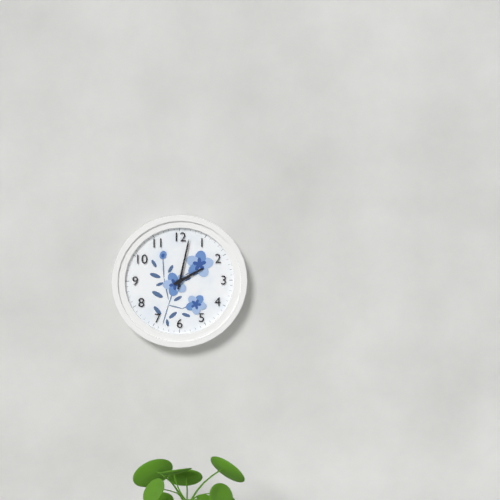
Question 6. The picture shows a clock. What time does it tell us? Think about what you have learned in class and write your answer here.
2:02
